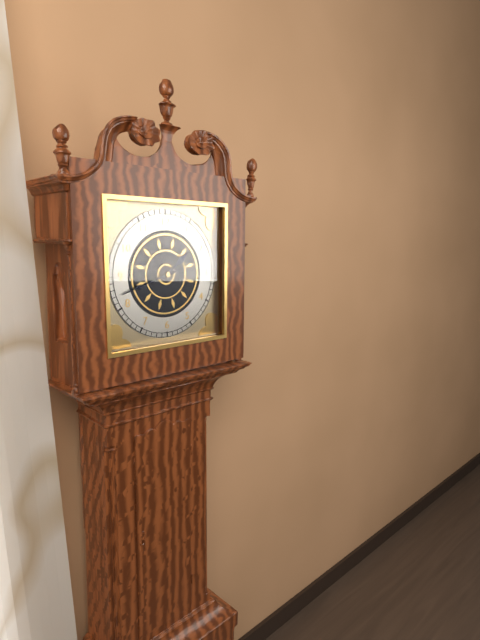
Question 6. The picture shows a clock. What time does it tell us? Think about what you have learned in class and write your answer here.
1:42
